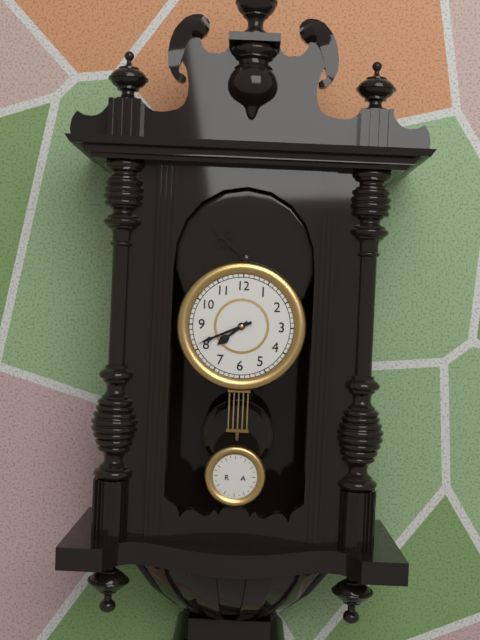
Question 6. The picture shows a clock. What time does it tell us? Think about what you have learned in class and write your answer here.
7:41
